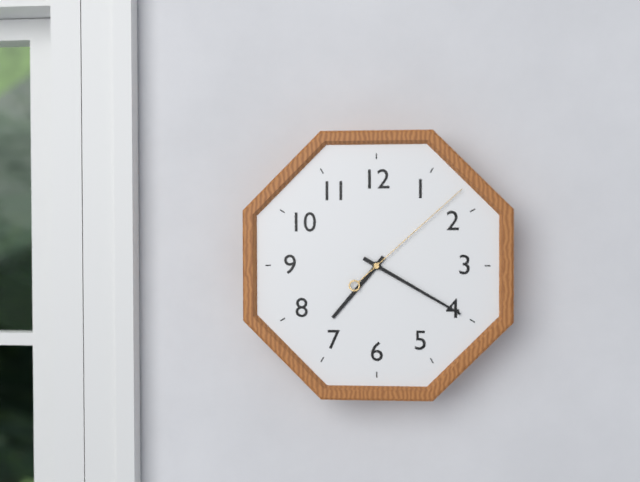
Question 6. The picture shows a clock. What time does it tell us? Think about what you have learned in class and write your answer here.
7:20:08
